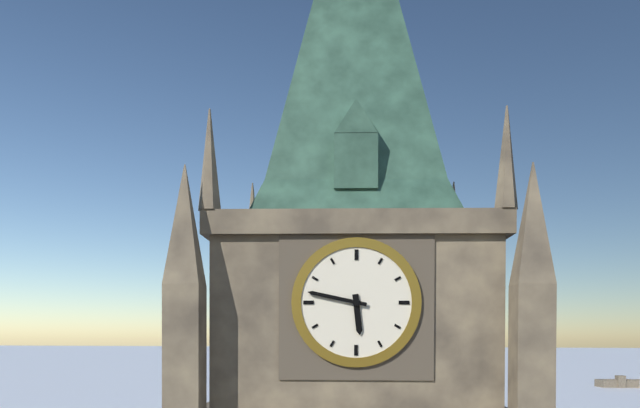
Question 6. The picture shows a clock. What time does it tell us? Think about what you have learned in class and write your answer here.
5:47
